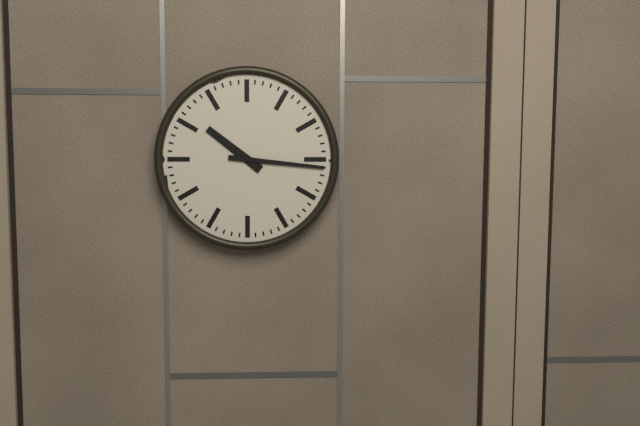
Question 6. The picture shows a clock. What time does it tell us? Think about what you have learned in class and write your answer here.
10:16
